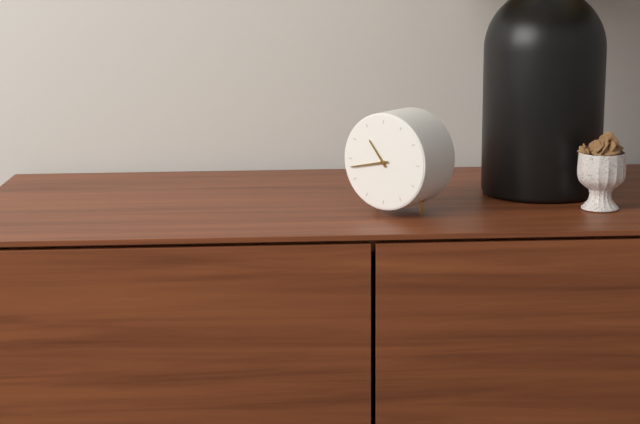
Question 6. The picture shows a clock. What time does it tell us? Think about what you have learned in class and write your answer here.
10:43
